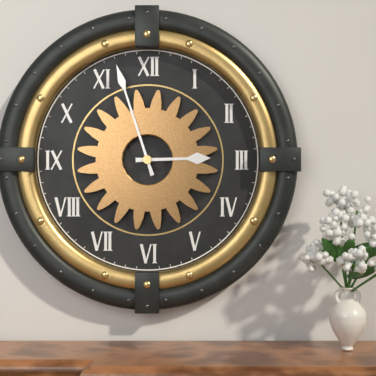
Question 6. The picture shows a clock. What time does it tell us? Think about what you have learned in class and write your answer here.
2:57
